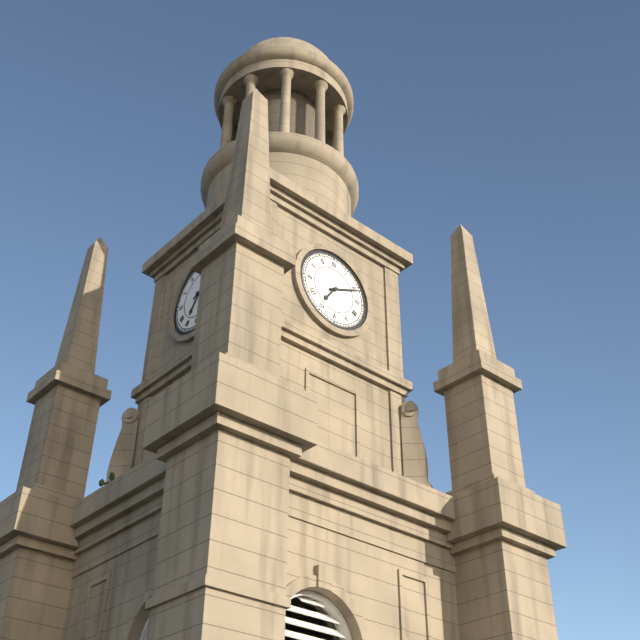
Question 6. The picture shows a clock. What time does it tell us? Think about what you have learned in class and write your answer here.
7:11
